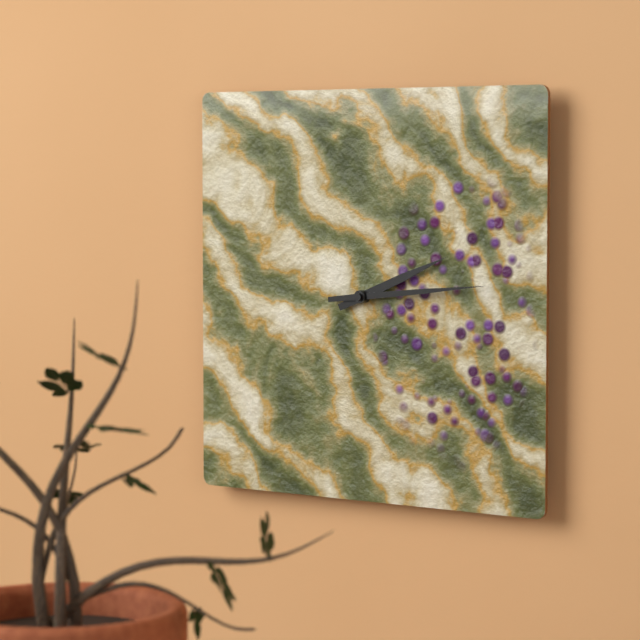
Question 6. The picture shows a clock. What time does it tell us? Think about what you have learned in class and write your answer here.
2:14
